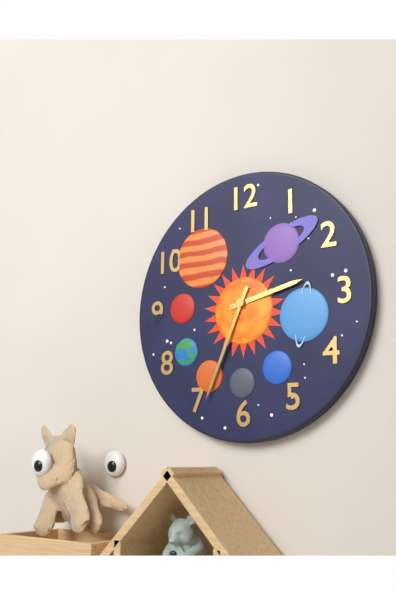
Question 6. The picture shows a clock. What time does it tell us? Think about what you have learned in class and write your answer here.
2:34
